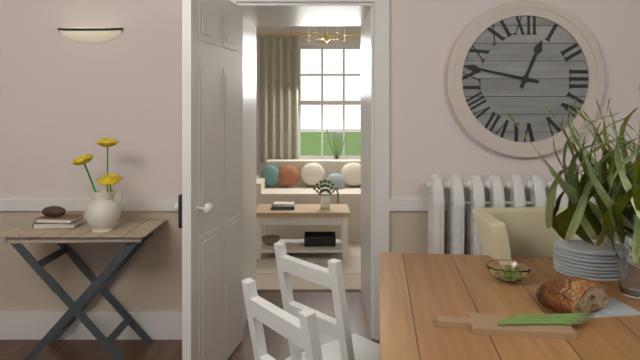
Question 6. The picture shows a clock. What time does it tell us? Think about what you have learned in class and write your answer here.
12:47
